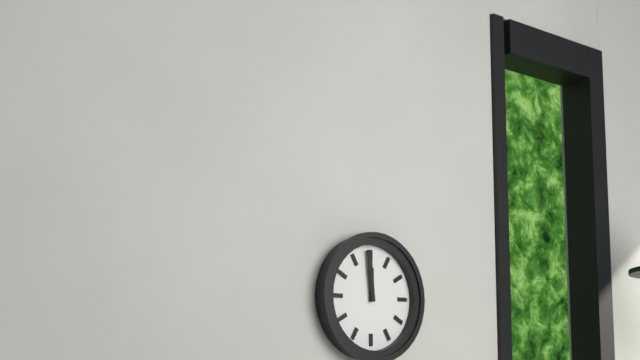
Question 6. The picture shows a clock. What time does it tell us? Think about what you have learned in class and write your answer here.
11:59
